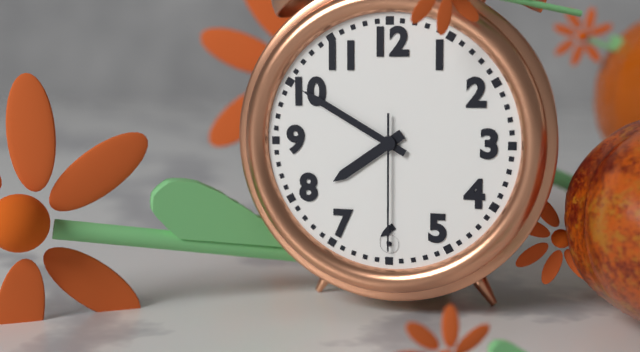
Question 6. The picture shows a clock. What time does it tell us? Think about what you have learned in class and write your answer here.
7:50:30
